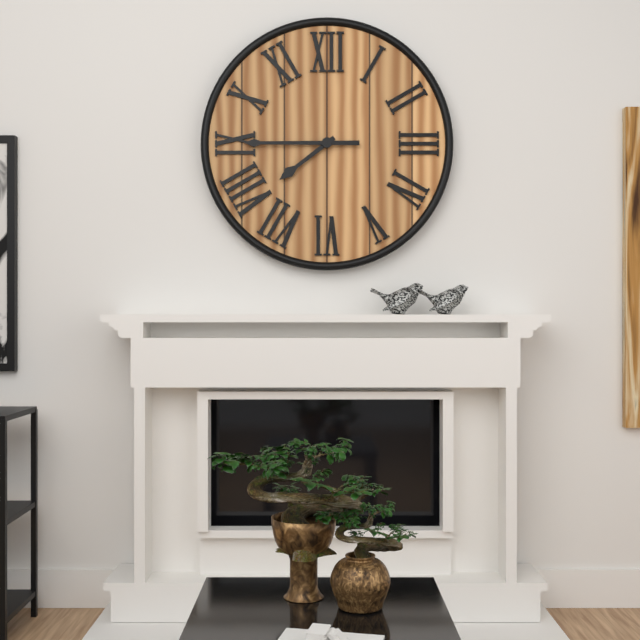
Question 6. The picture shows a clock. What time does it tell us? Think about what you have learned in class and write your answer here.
7:45
